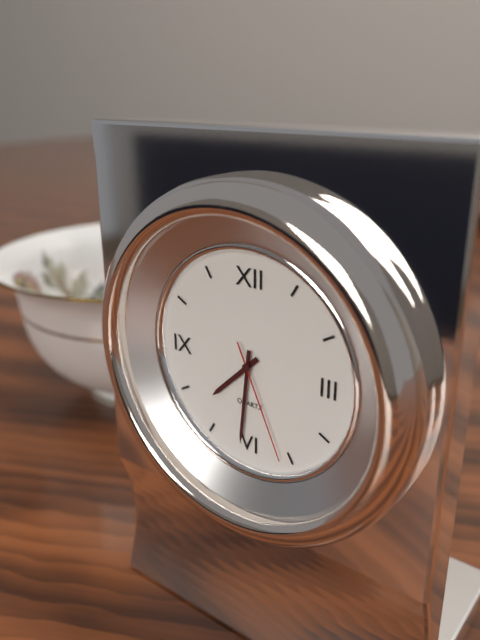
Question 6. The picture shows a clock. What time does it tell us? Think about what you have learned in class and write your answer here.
7:31:26
